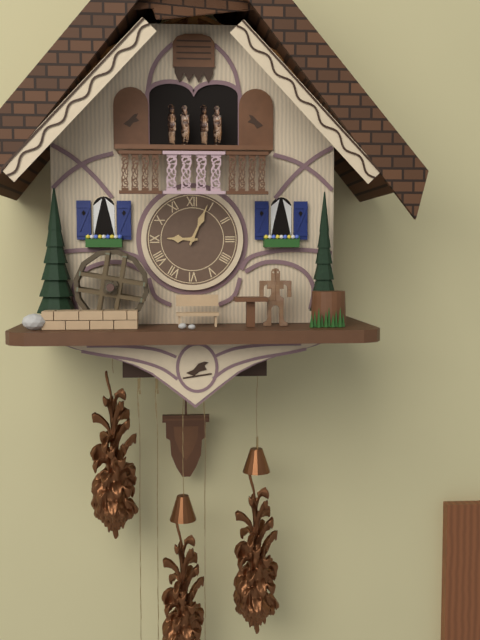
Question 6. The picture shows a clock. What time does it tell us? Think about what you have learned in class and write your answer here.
9:04
